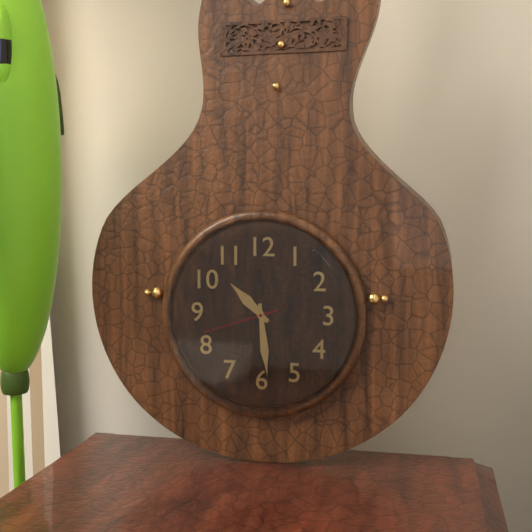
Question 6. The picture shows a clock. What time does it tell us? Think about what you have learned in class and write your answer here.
10:29:42
